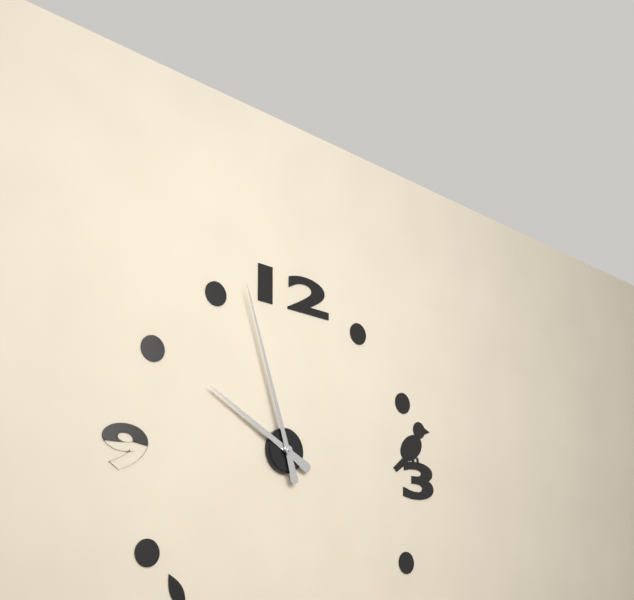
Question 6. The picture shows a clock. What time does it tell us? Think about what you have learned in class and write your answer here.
9:57
